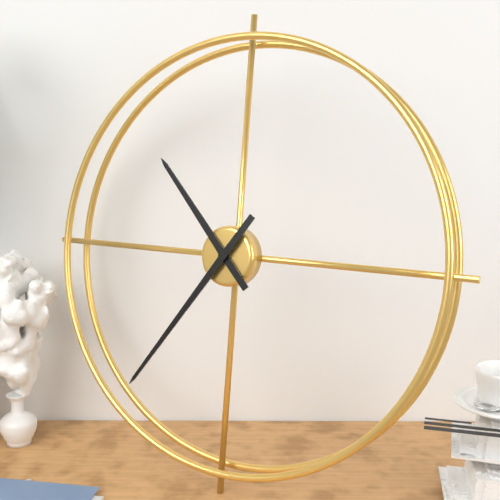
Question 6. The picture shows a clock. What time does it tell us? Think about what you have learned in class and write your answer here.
10:36
